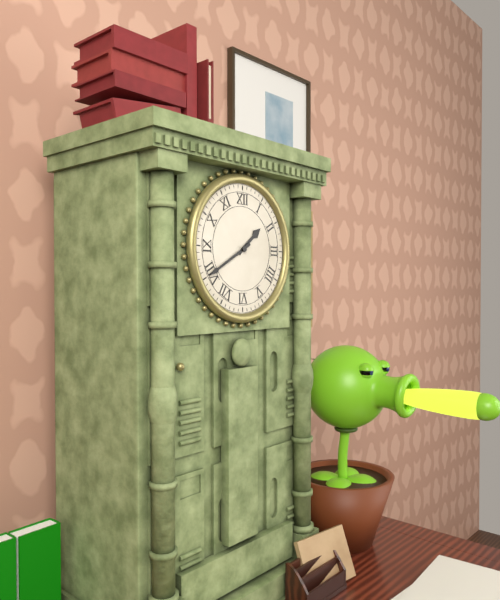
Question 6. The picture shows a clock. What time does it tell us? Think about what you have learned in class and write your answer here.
1:40
